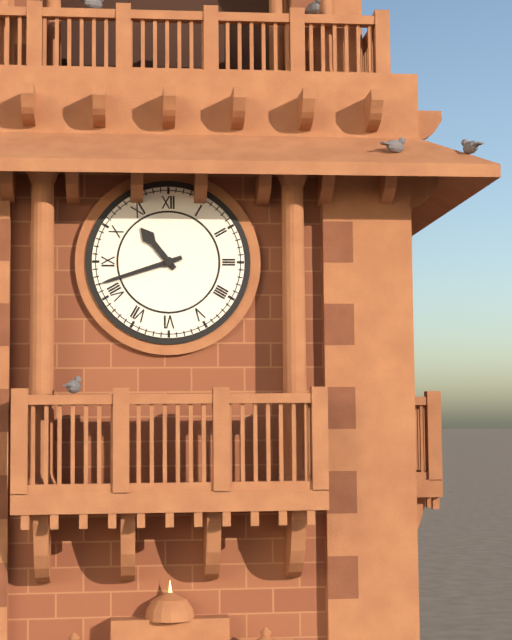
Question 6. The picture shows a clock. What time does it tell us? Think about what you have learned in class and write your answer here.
10:42
